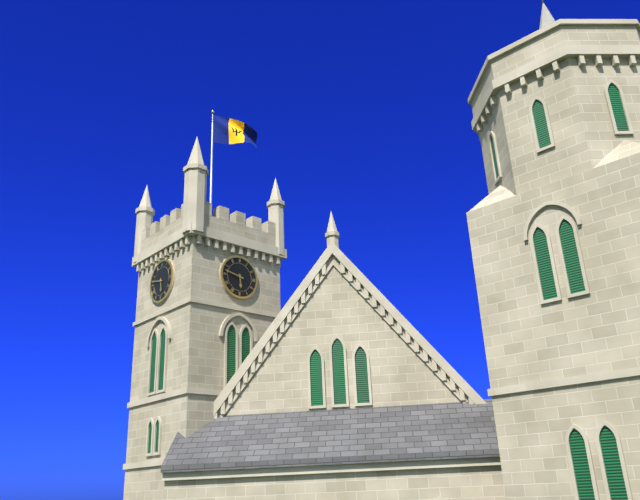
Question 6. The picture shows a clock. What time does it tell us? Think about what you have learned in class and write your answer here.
5:47
